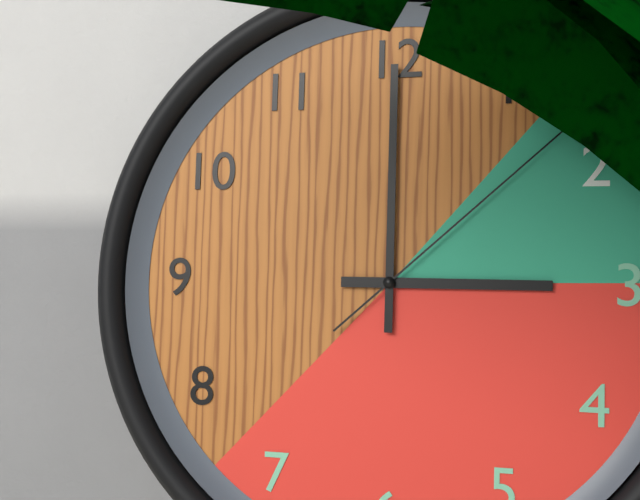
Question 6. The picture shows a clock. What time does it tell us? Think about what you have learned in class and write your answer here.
3:00:08
